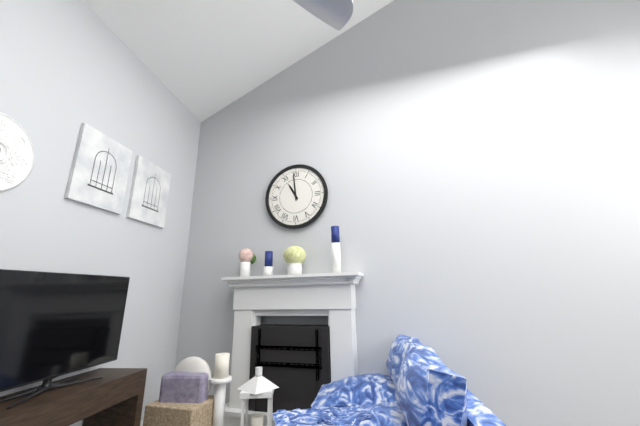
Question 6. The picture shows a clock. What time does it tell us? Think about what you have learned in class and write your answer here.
10:59
